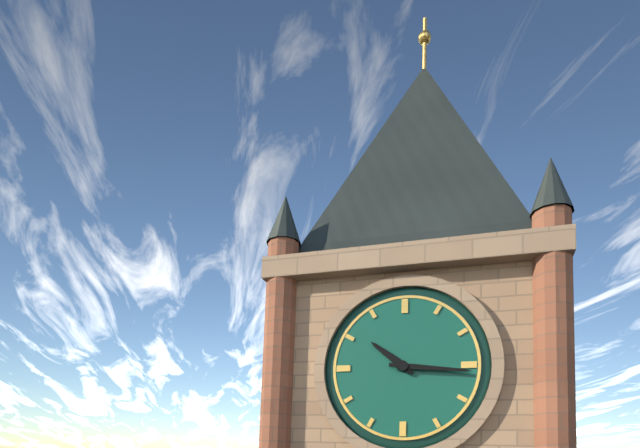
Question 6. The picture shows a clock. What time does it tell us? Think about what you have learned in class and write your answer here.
10:16
